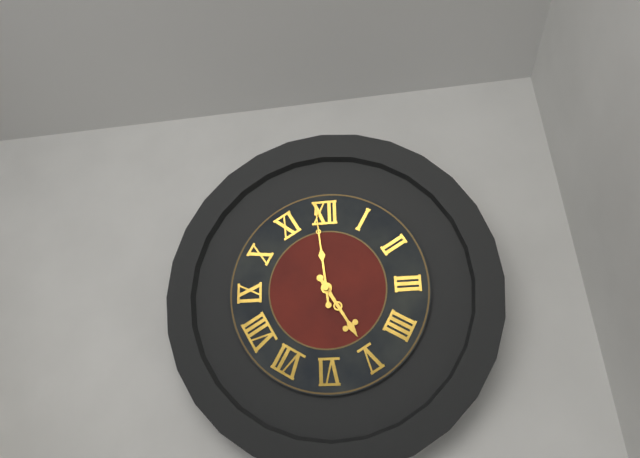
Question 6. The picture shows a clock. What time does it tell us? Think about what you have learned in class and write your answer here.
4:59
